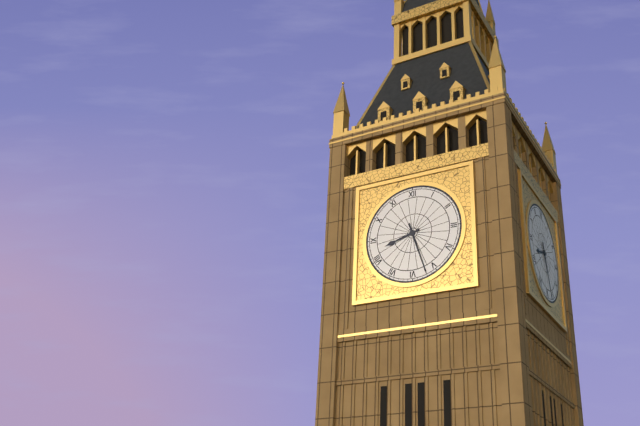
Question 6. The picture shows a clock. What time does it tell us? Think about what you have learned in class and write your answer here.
8:27
